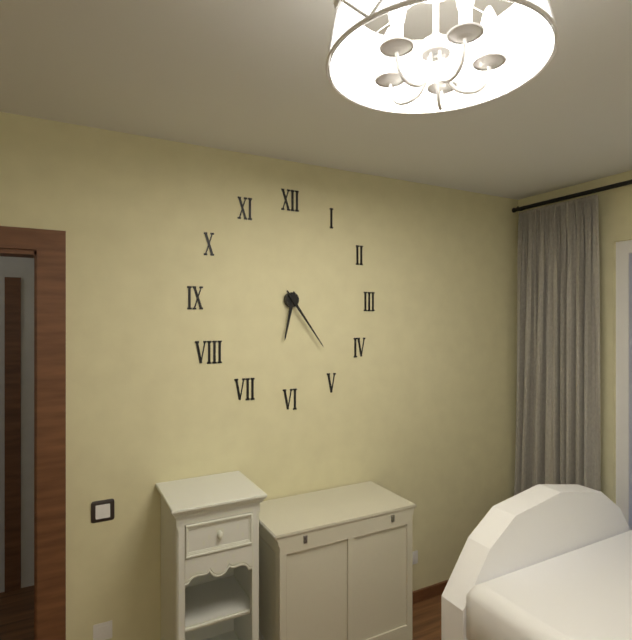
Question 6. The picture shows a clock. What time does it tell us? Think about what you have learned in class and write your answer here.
6:24
